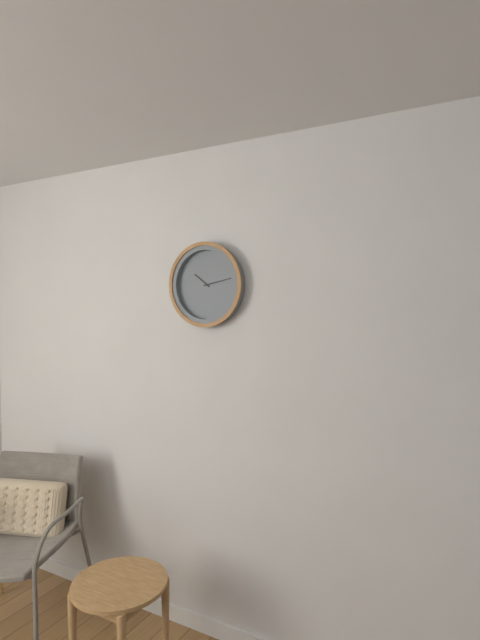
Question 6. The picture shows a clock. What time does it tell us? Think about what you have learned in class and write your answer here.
10:13
